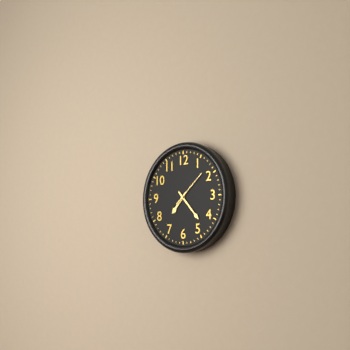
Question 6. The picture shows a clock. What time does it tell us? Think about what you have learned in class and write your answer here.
7:23
